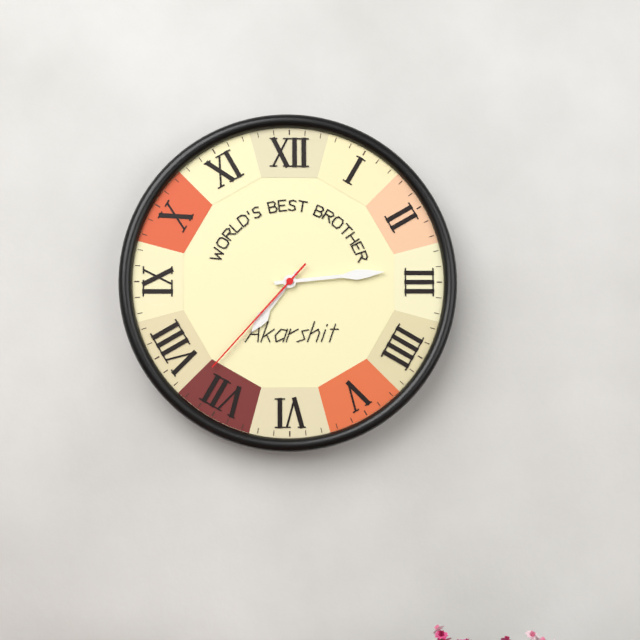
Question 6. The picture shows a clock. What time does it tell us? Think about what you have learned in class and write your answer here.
7:14:37
